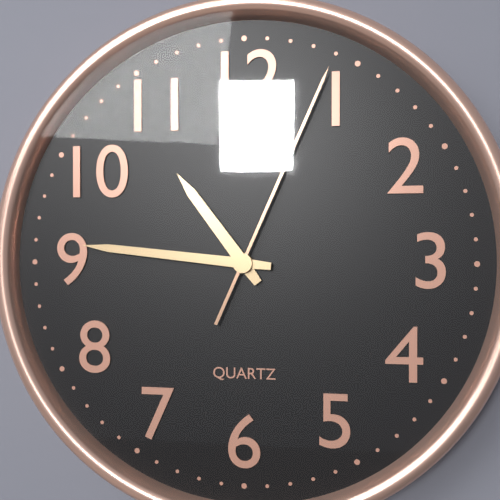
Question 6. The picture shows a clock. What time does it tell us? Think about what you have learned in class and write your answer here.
10:46:04
